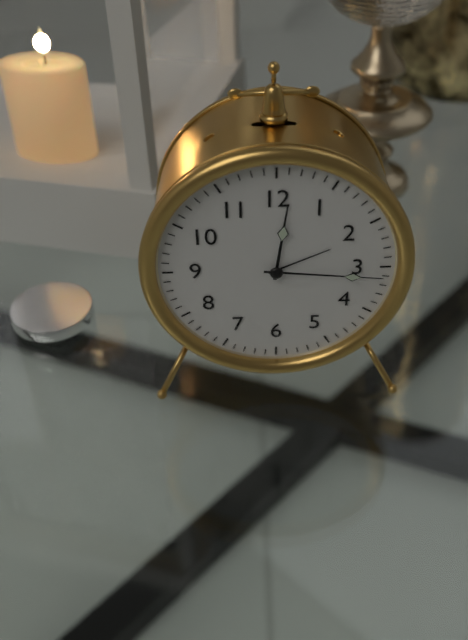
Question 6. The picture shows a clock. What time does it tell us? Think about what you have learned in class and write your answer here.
12:16
